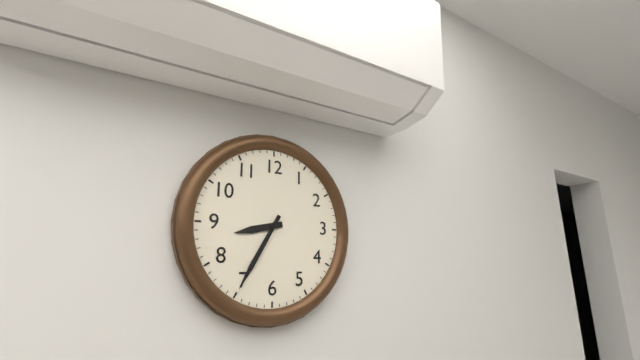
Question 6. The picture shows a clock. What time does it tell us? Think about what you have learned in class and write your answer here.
8:35
